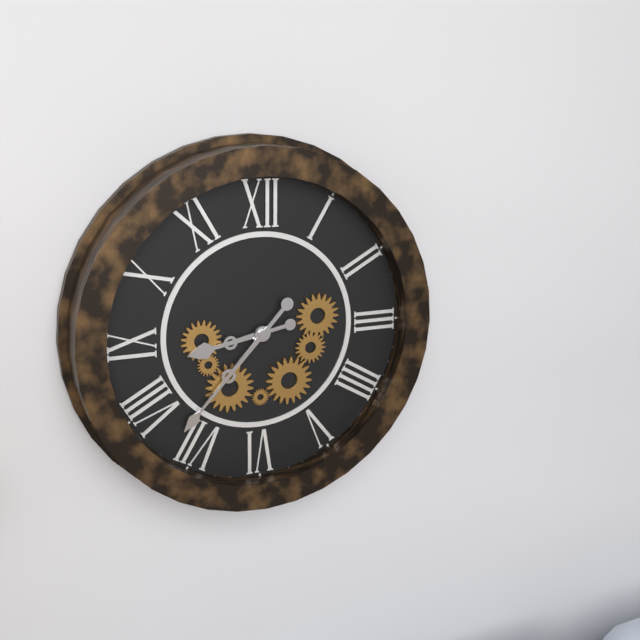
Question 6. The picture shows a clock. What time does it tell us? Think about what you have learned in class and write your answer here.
8:37
